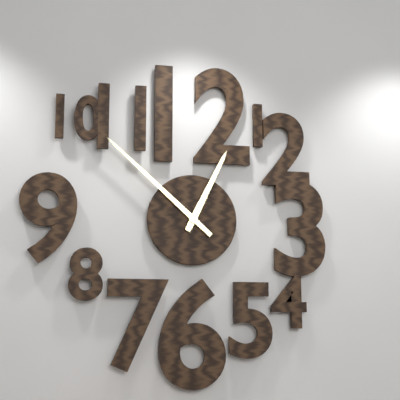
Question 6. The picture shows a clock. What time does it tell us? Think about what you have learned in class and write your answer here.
12:52
